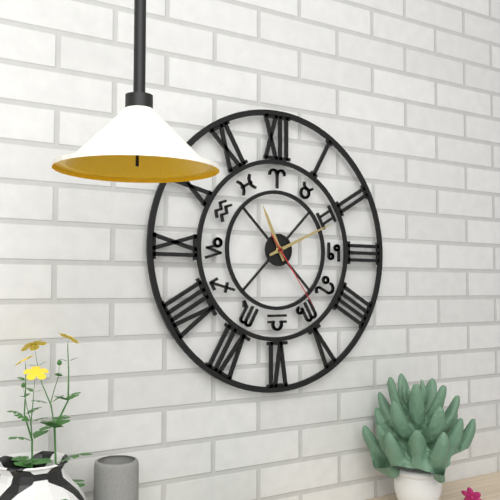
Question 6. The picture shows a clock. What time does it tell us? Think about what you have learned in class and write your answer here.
11:11:24
